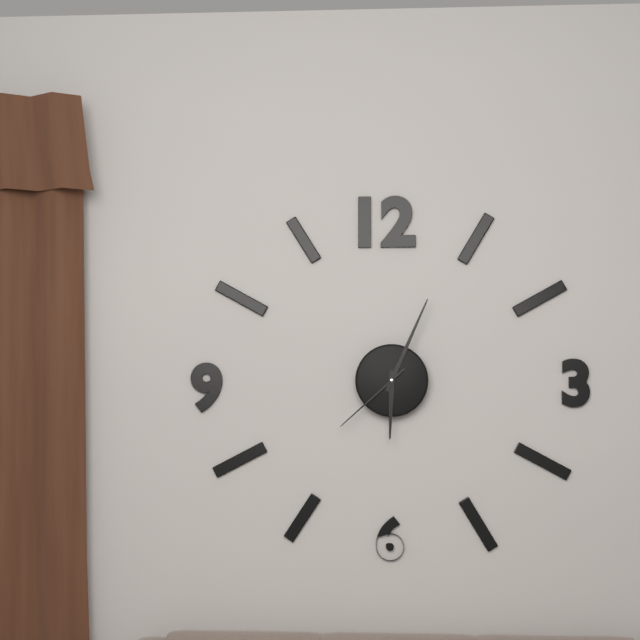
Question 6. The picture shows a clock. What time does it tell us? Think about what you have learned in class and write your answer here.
6:04:38
